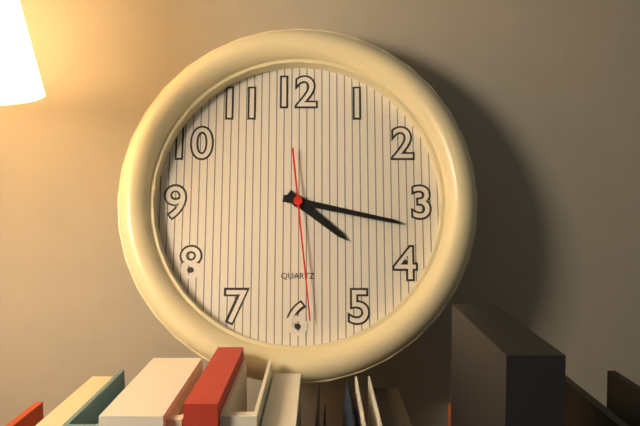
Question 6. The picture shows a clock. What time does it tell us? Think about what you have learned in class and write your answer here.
4:17:29
